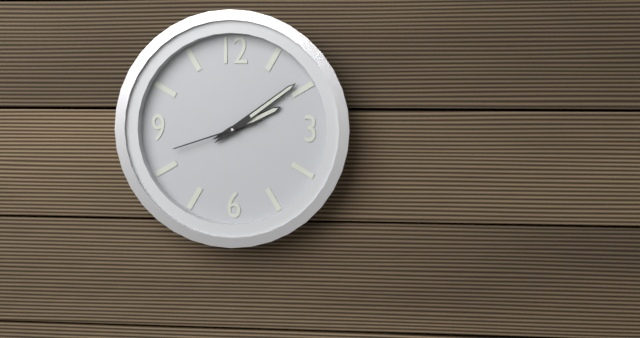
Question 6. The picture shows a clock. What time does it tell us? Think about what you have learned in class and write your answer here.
2:09:42
